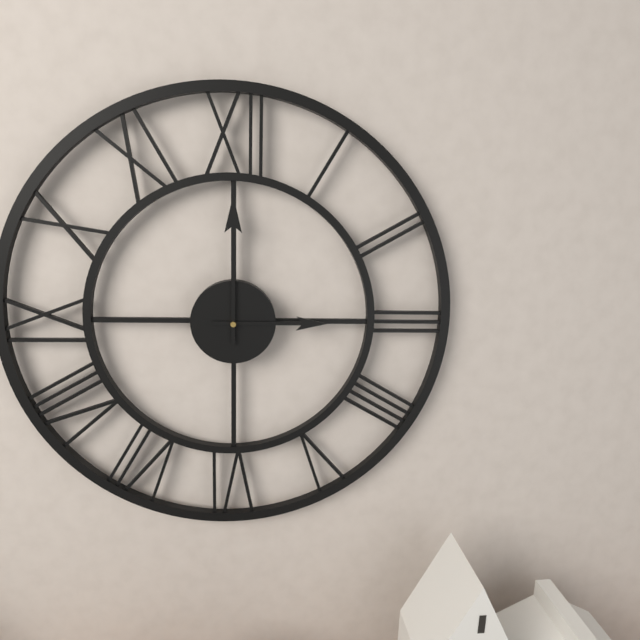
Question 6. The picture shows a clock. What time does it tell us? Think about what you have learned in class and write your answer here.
3:00
